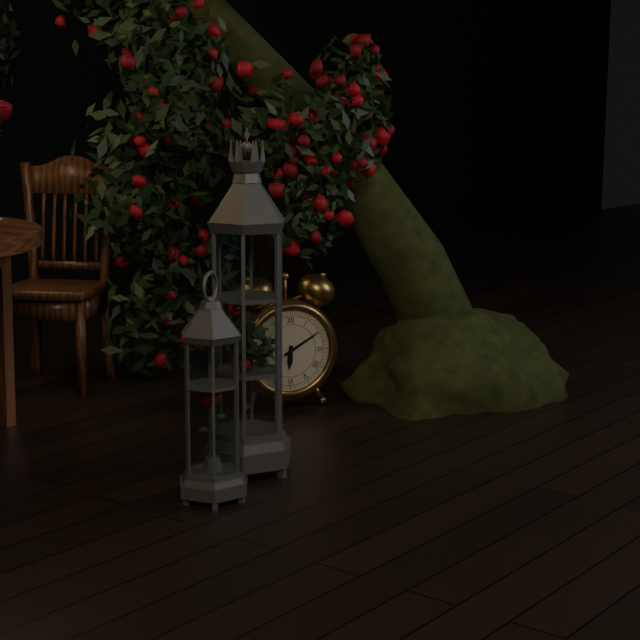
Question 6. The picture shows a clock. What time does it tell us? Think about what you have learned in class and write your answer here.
6:10
